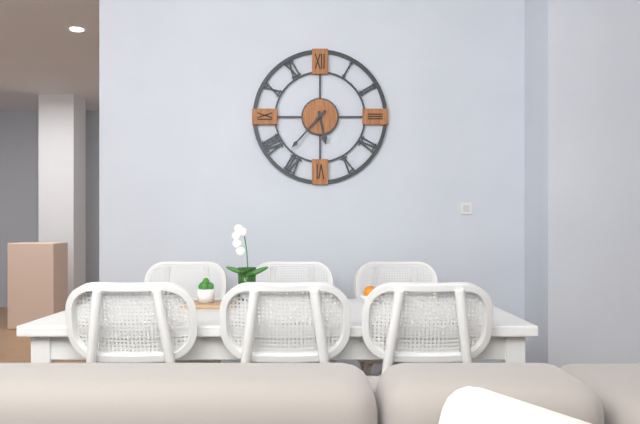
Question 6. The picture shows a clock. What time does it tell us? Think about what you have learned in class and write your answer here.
5:37
